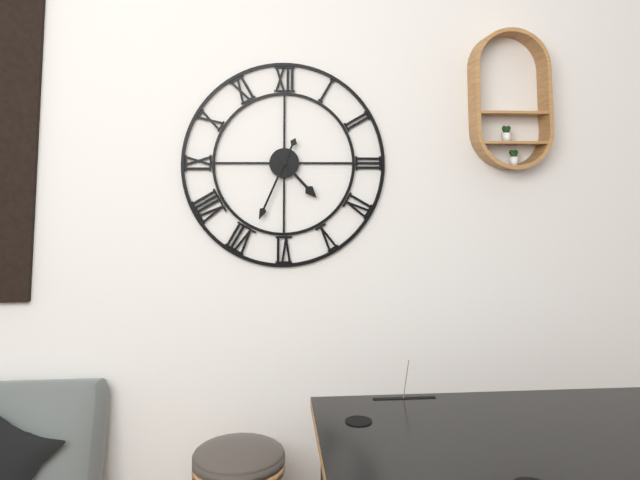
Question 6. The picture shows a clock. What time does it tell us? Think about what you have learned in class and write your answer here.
4:34
